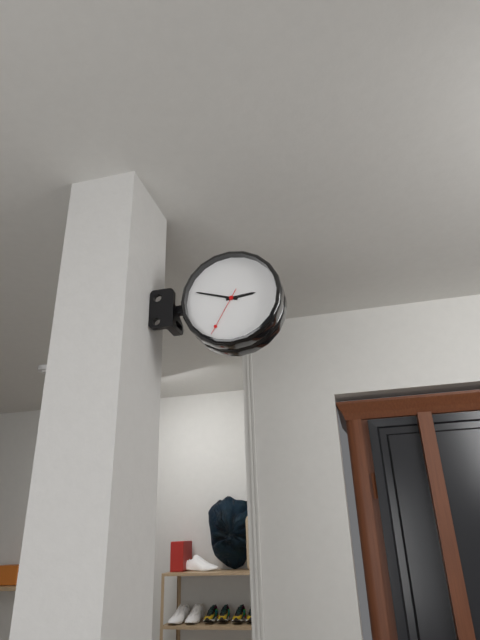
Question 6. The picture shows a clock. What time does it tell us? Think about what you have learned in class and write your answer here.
2:48:35
